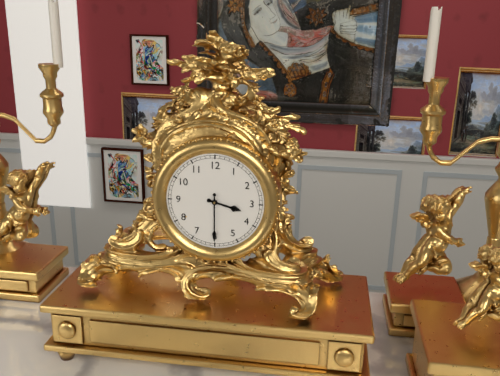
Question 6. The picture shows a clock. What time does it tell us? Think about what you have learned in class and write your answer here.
3:30
